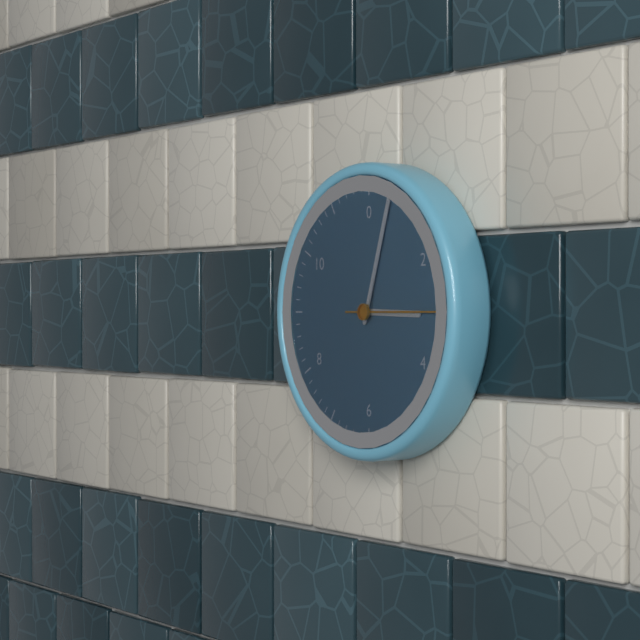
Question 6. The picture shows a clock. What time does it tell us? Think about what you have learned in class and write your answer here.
3:03:15
